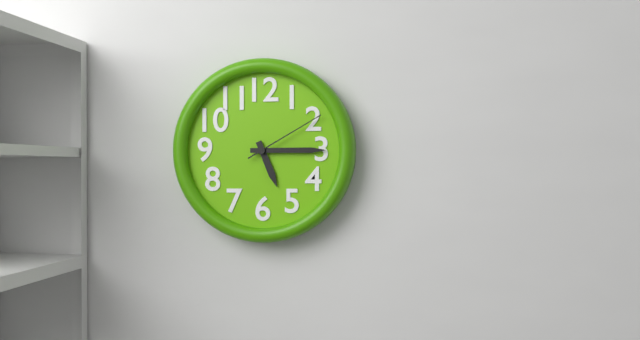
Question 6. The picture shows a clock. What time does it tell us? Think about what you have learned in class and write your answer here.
5:15:10
